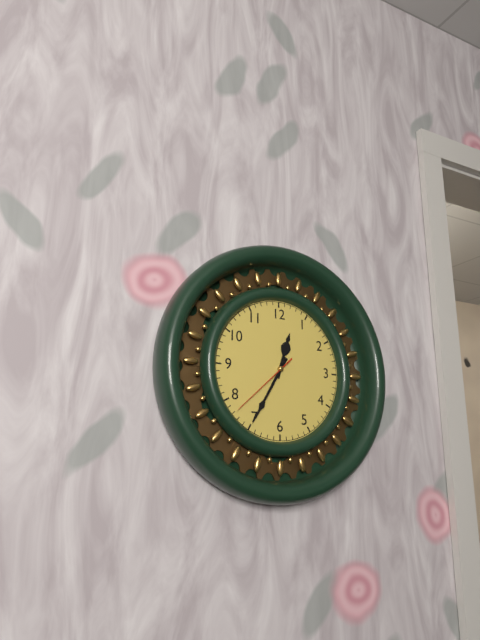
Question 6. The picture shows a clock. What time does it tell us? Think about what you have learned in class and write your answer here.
12:35:38
